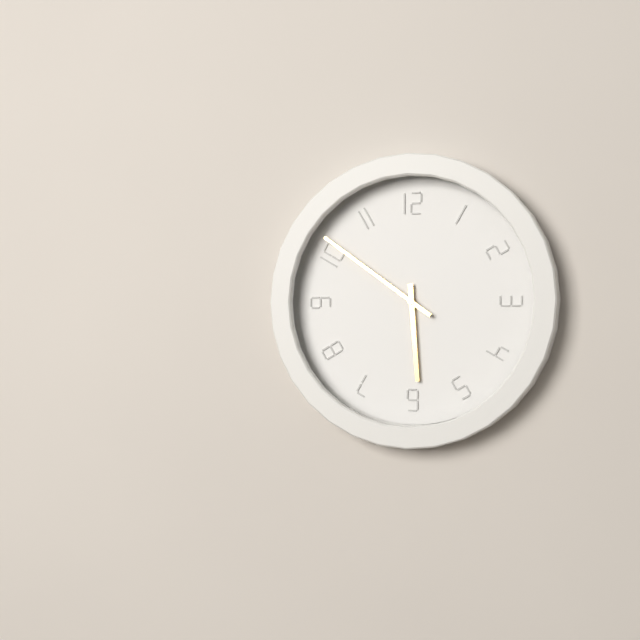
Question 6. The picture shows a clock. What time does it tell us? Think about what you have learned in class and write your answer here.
5:51
